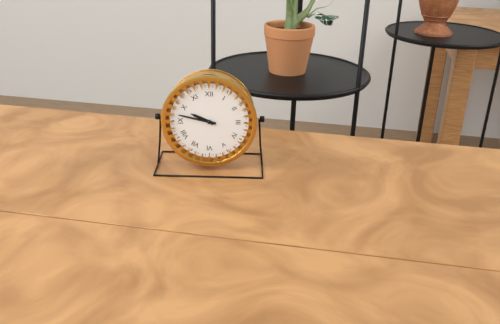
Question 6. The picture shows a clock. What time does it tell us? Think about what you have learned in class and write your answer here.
9:47
